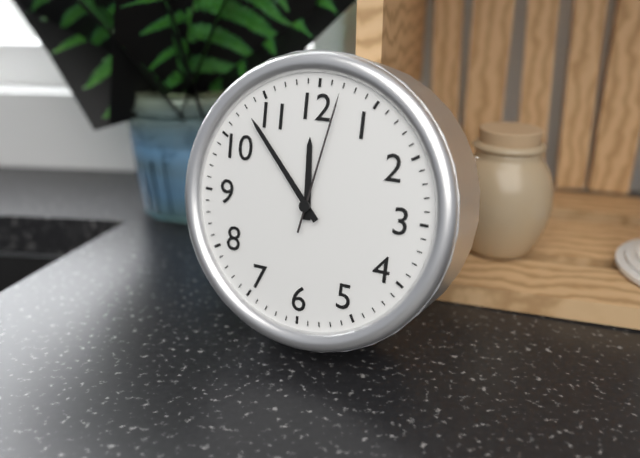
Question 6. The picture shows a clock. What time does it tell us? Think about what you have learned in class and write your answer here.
11:53:02
